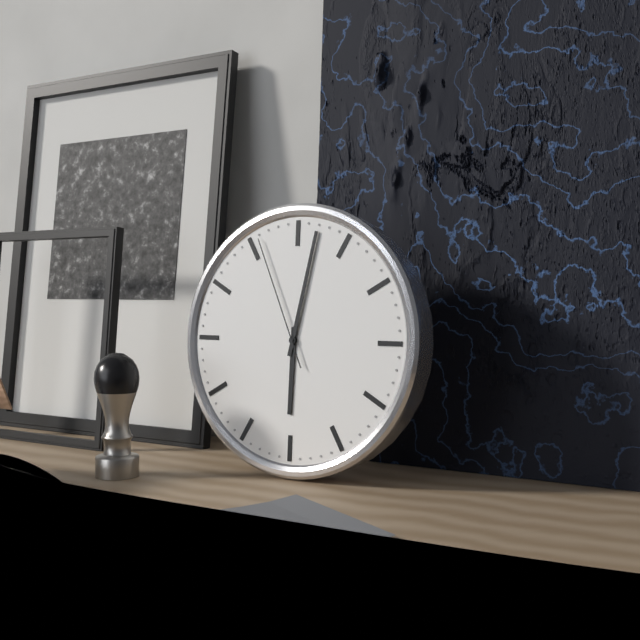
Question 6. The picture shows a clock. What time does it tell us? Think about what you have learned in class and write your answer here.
6:02:56
